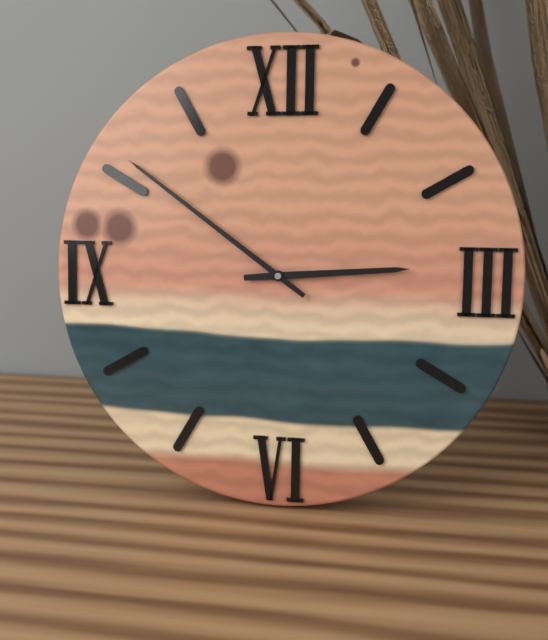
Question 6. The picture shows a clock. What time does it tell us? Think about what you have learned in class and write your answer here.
2:51
